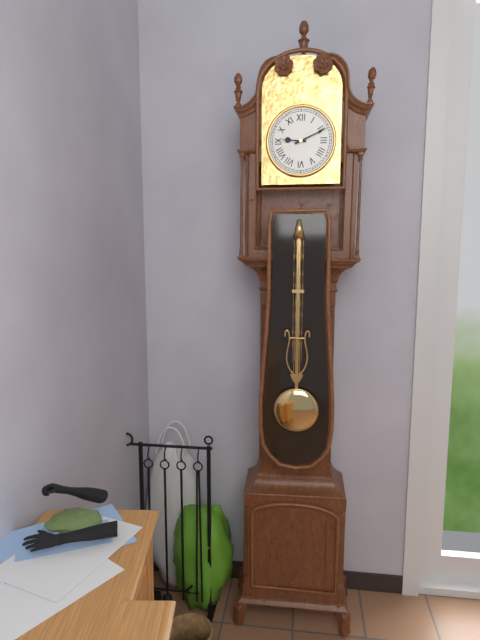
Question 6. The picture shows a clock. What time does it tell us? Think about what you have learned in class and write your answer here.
9:11
